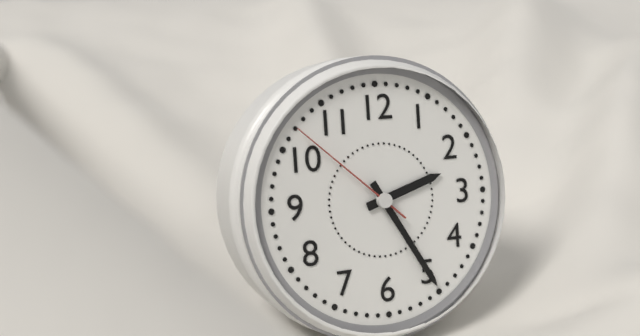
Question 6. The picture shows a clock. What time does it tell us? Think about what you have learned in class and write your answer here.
2:25:52
